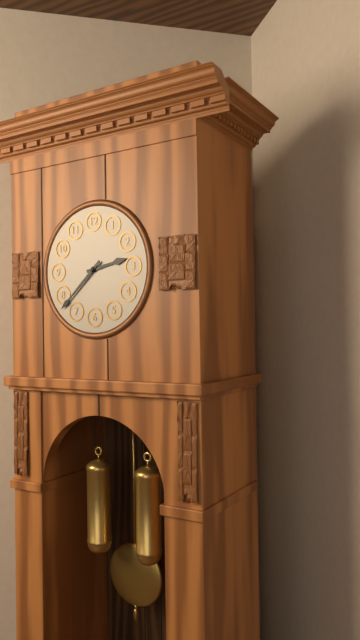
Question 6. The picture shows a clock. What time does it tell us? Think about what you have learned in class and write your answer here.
2:38
